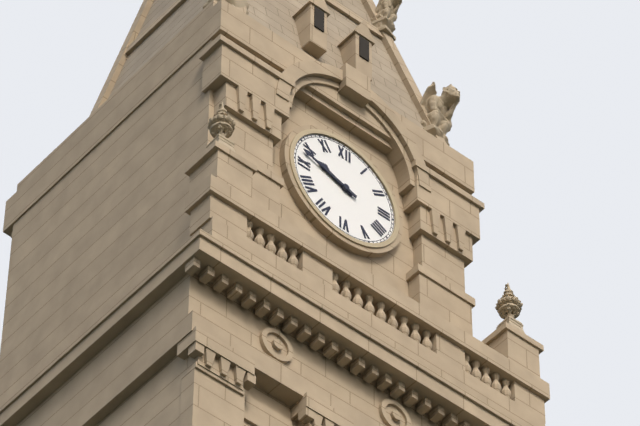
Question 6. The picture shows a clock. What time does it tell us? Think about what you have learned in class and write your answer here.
9:48
